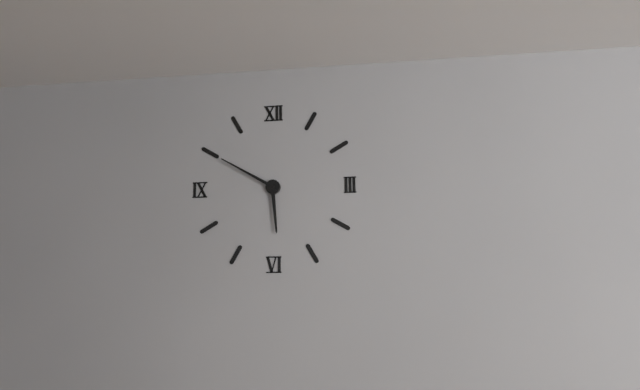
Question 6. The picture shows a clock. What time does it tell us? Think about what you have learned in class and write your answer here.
5:50
